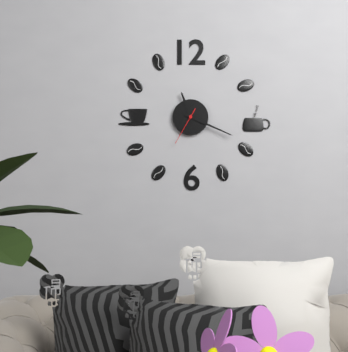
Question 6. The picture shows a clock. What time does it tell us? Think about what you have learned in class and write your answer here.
11:19
